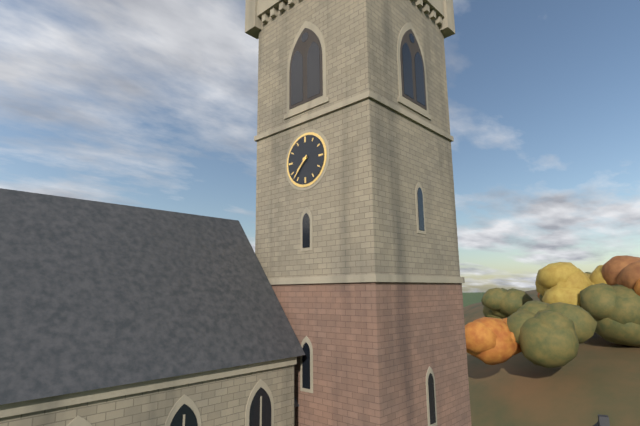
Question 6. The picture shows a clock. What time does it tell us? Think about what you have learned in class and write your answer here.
7:37
